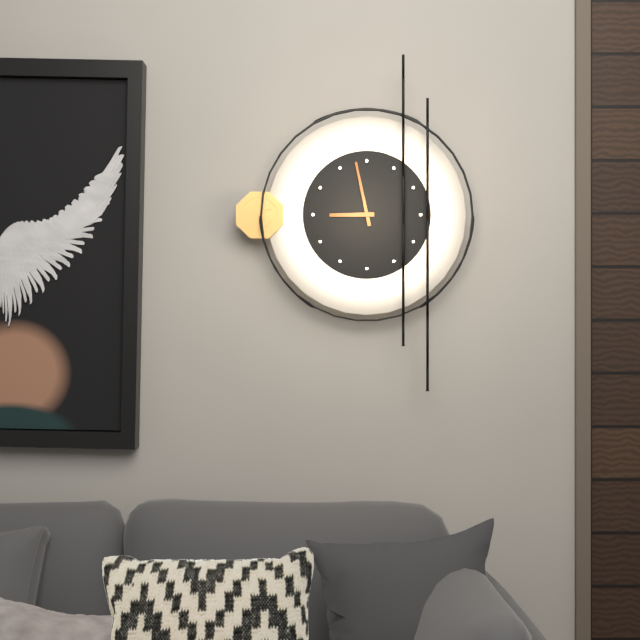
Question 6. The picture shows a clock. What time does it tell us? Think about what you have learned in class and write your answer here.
8:58
